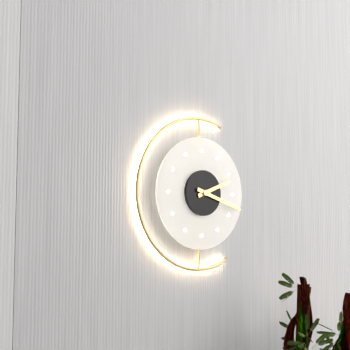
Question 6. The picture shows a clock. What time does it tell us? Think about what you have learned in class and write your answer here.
2:18
